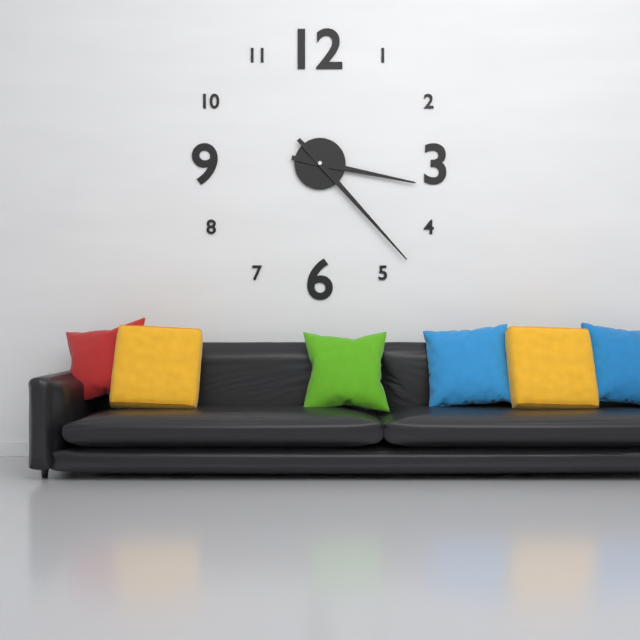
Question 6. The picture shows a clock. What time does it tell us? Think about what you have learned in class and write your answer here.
3:23
